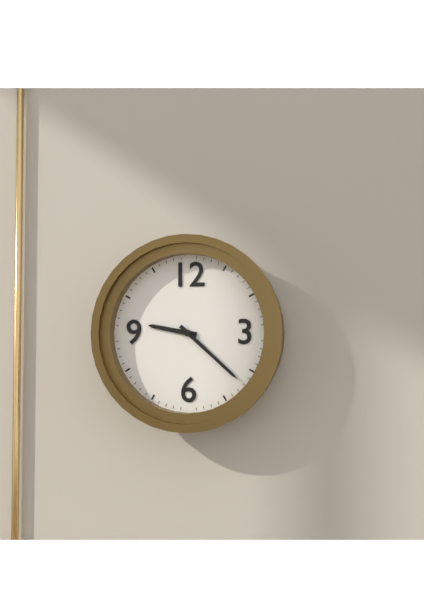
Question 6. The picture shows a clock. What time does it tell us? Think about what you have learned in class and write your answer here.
9:22
